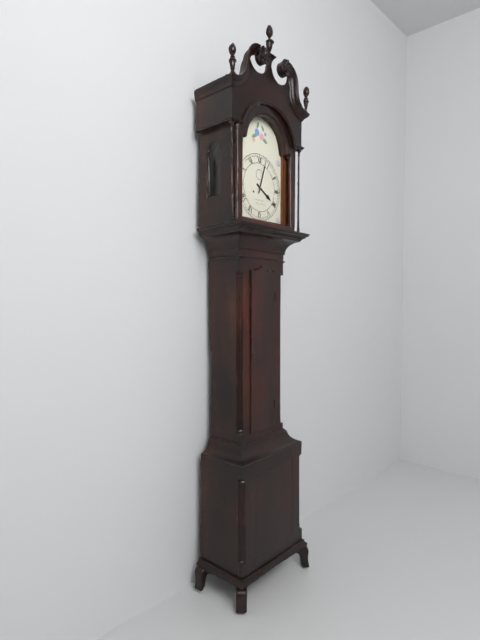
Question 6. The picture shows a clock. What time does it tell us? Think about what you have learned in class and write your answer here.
4:03
